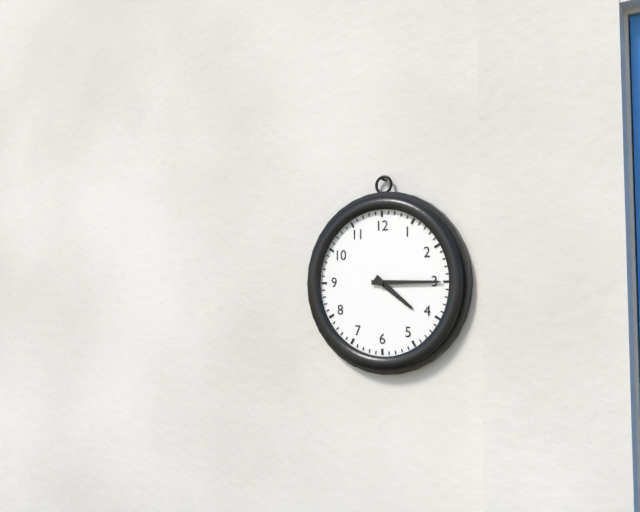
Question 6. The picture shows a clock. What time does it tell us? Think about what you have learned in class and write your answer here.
4:15
